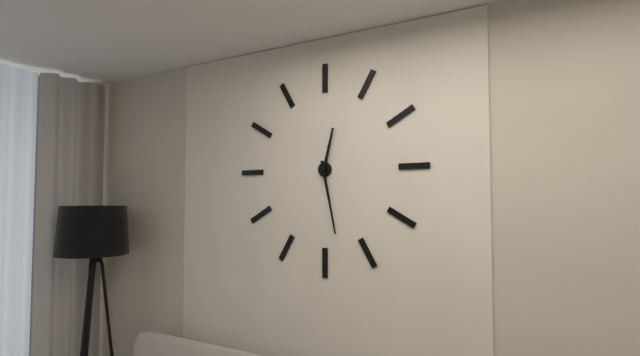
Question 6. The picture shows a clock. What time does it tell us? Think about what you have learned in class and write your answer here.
12:28
